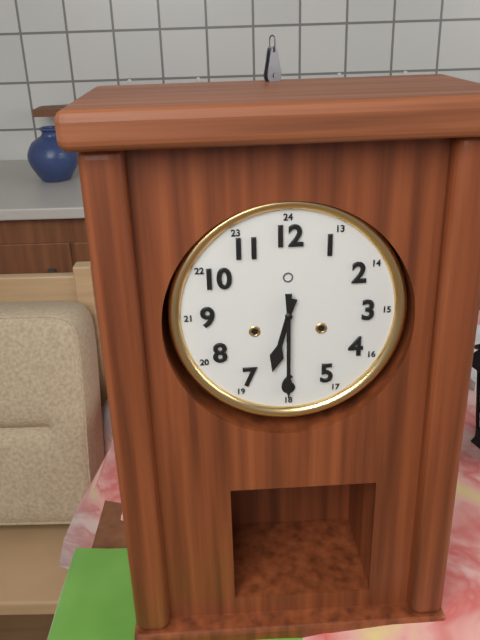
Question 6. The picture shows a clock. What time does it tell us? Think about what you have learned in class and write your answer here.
6:30
